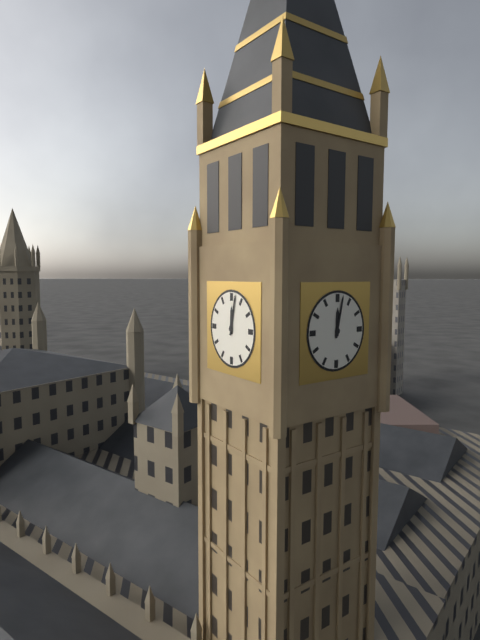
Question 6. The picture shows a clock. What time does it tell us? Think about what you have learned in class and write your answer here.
12:02
